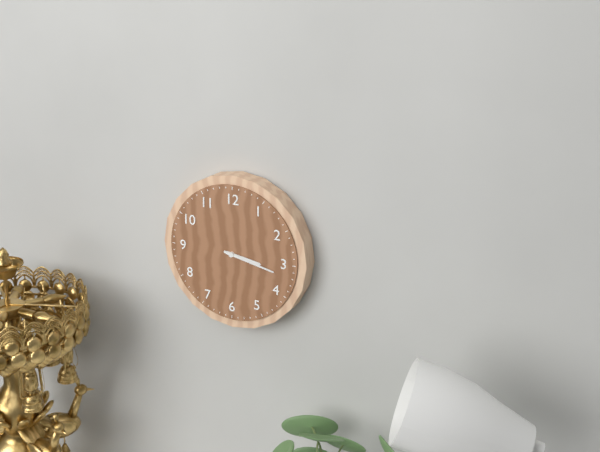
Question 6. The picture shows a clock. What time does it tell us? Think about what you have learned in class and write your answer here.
3:17
